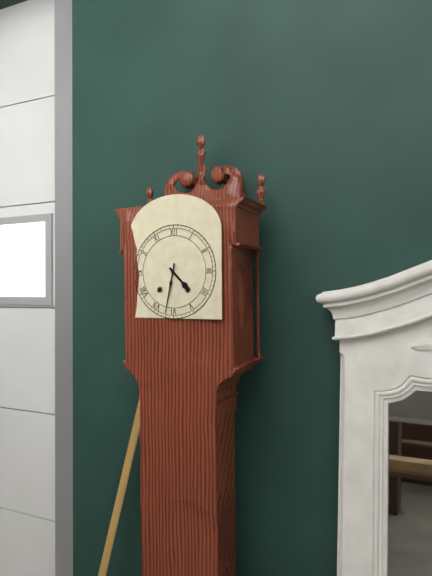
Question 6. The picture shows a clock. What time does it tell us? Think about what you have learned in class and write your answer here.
4:32
